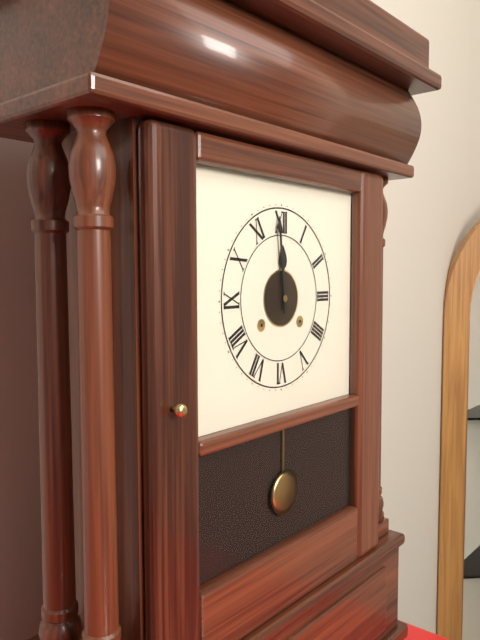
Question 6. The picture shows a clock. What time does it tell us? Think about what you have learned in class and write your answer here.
11:59
